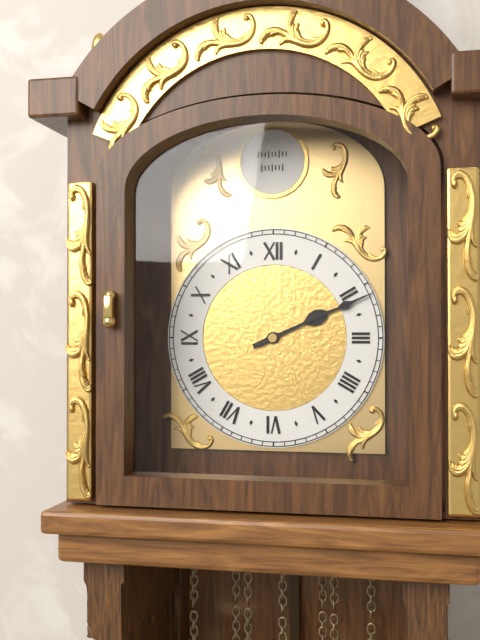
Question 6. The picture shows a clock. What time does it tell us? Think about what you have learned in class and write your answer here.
2:11
